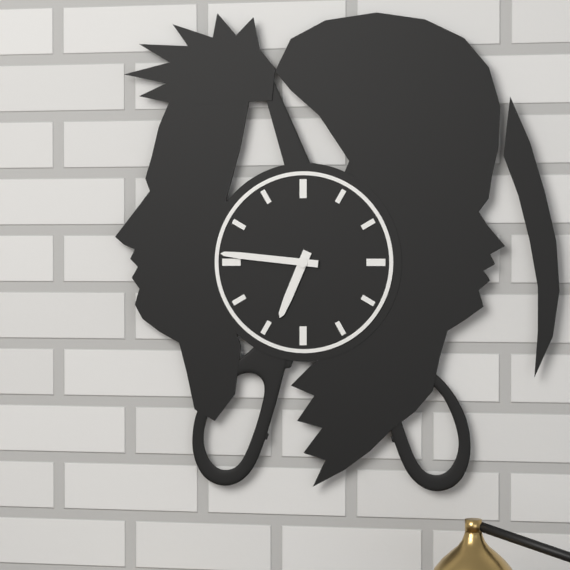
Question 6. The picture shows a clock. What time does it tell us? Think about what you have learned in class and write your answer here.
6:46
